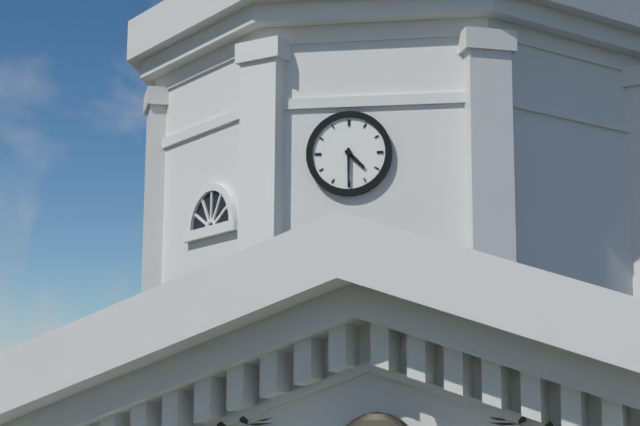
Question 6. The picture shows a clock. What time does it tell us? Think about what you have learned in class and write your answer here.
4:30
